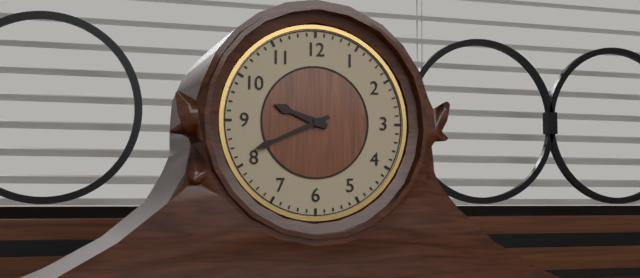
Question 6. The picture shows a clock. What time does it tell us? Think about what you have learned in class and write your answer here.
9:41
